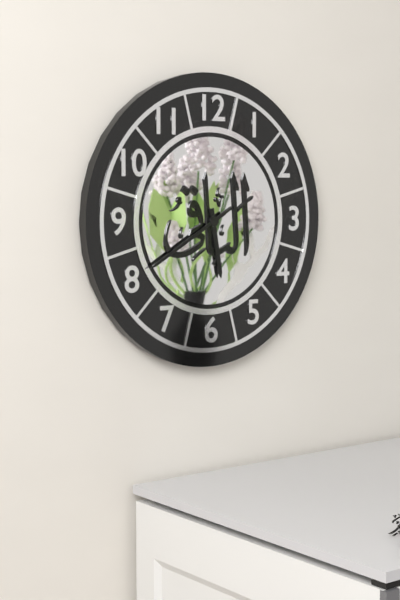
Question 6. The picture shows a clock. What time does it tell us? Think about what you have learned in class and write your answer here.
5:40
